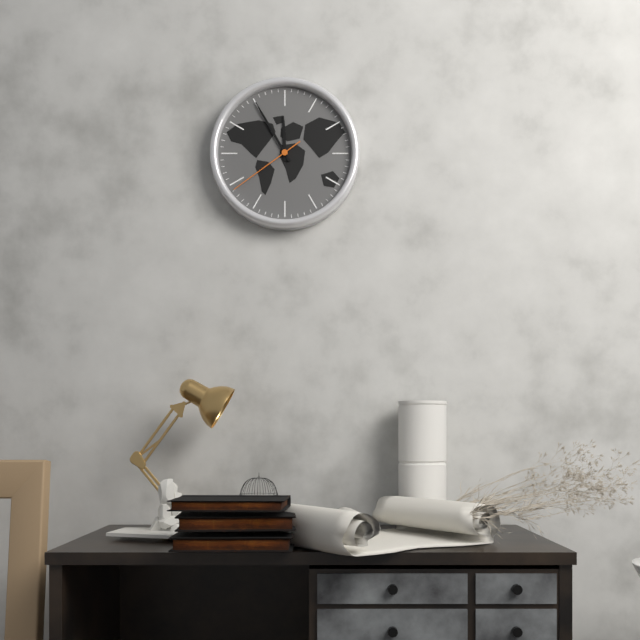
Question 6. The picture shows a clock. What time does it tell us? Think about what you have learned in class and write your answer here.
11:55:39
